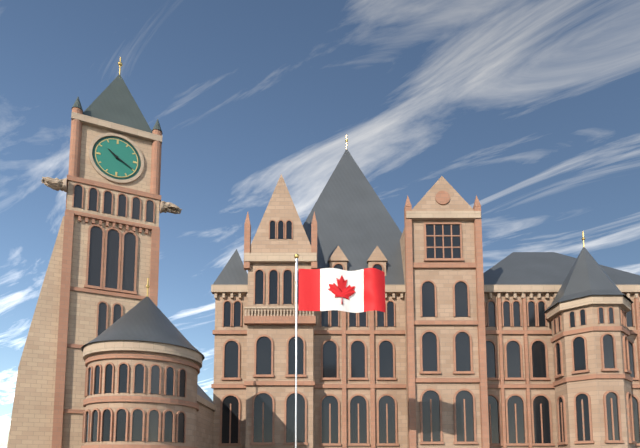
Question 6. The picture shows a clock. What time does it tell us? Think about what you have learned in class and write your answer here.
10:20
